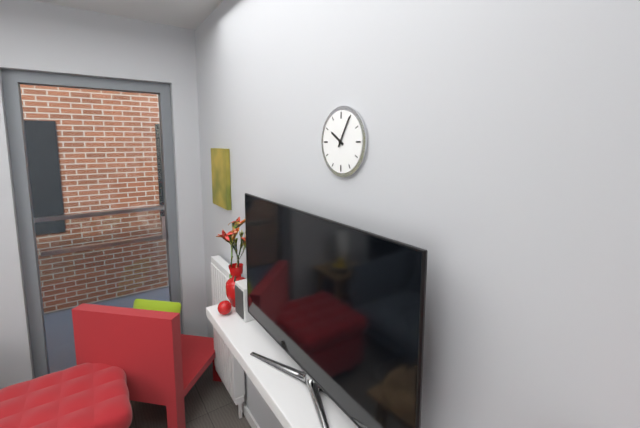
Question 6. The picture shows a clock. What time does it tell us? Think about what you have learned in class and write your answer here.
10:05
